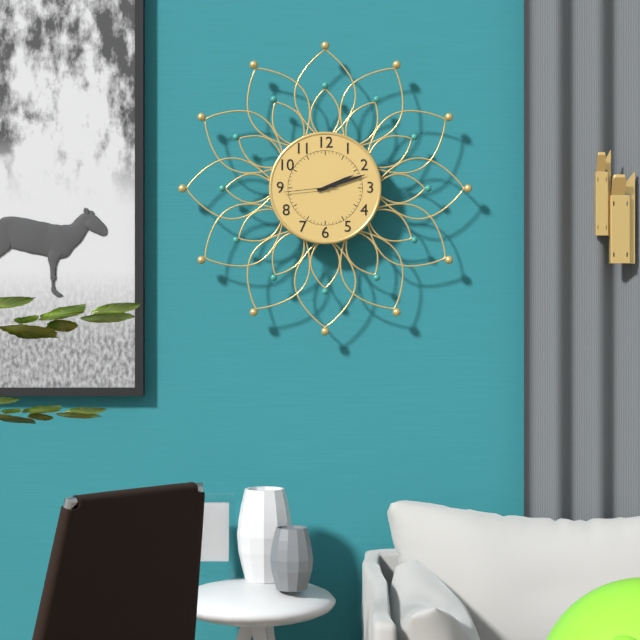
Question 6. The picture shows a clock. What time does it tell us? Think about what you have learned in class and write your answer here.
2:12:44
